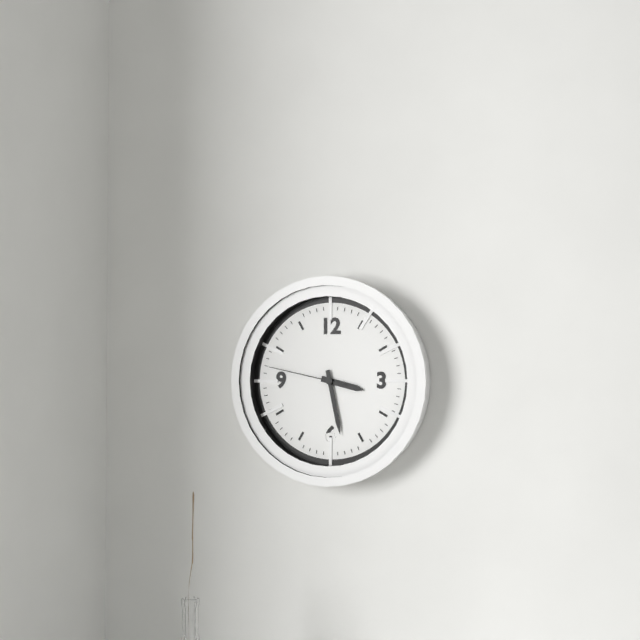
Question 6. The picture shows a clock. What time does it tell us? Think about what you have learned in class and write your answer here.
3:28:47
